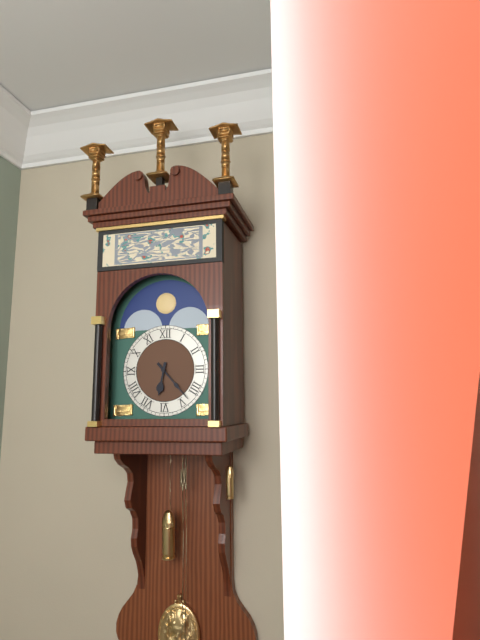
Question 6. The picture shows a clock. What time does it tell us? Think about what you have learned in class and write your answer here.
6:23
